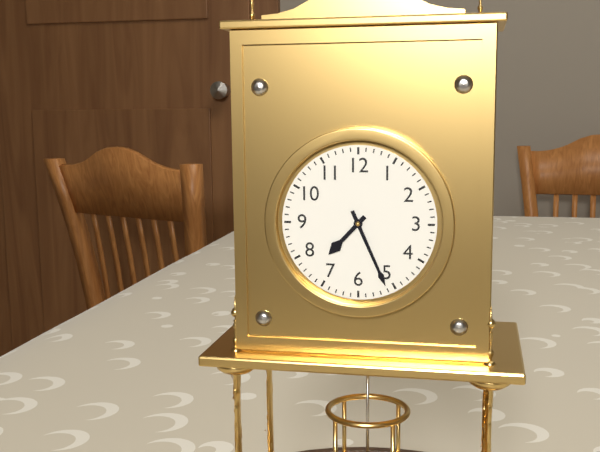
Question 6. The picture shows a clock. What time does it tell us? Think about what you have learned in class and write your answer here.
7:26
